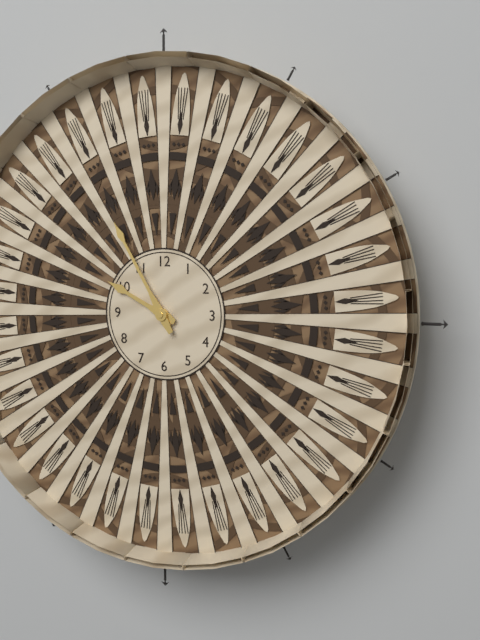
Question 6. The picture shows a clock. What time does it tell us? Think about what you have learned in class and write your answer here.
9:55
